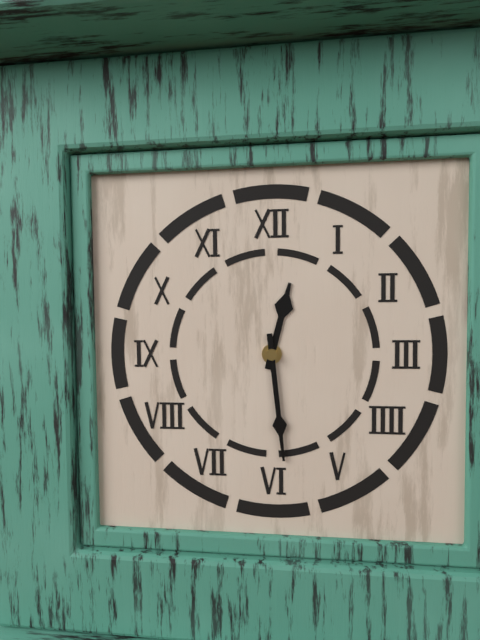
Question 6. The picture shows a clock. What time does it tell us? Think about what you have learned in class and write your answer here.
12:29
